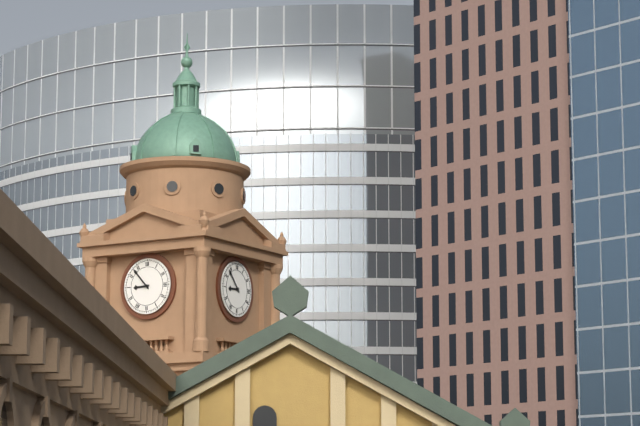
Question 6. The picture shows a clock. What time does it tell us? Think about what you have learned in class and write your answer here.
8:53
